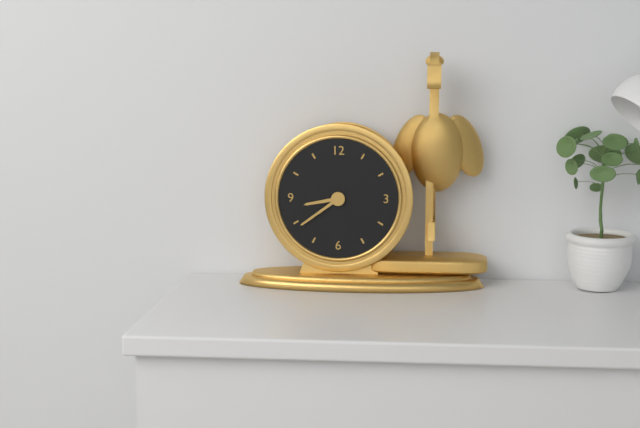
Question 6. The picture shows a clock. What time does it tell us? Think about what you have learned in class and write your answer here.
8:39
